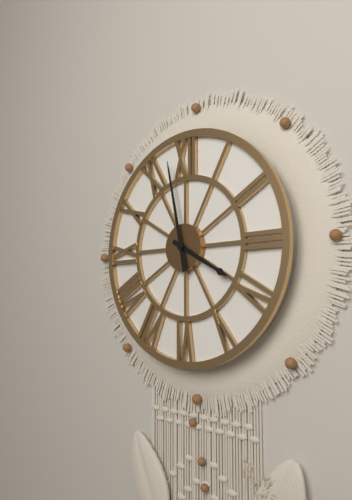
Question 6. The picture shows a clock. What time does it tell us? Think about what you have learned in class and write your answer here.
3:58
